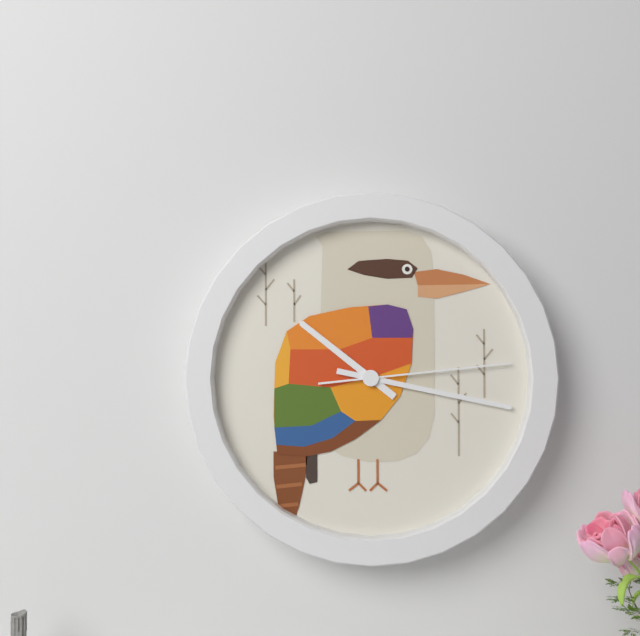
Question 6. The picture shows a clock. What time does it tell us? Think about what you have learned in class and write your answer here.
10:17:14
